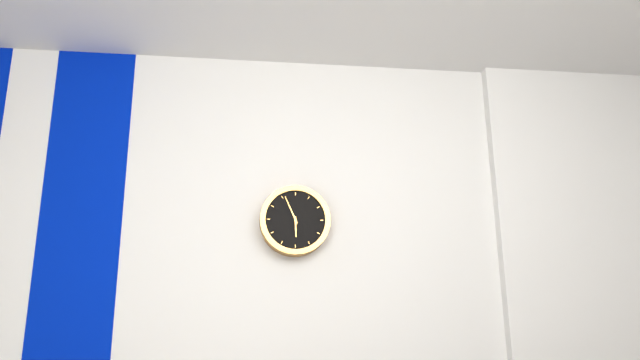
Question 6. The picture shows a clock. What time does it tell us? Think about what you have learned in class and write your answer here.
5:56
